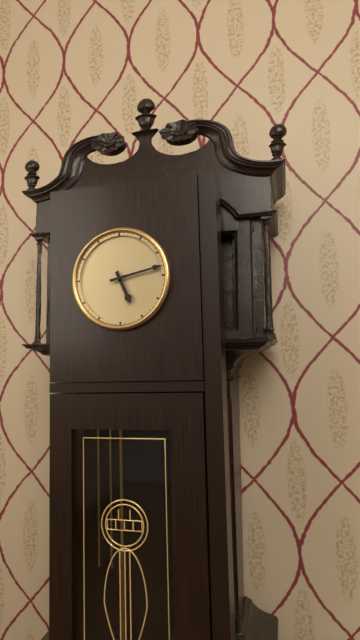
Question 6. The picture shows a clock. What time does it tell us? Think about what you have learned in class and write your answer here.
5:13
